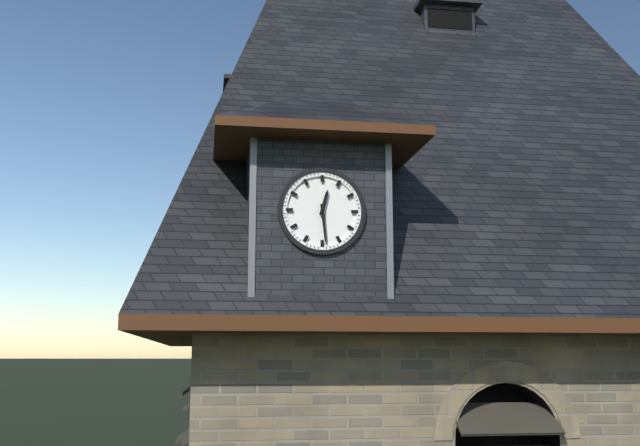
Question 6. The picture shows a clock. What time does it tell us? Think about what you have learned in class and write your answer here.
12:29
